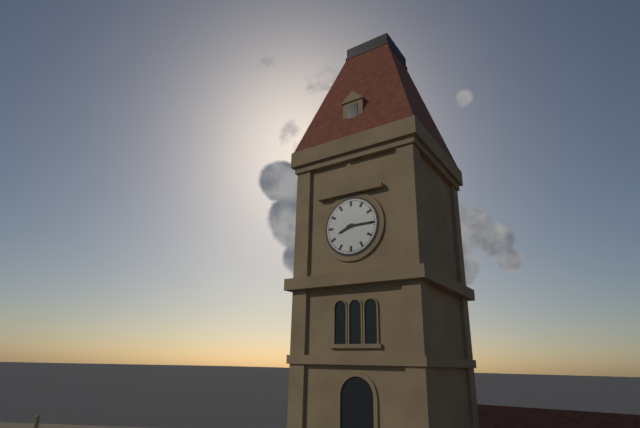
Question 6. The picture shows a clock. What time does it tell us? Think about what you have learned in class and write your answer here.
8:15
